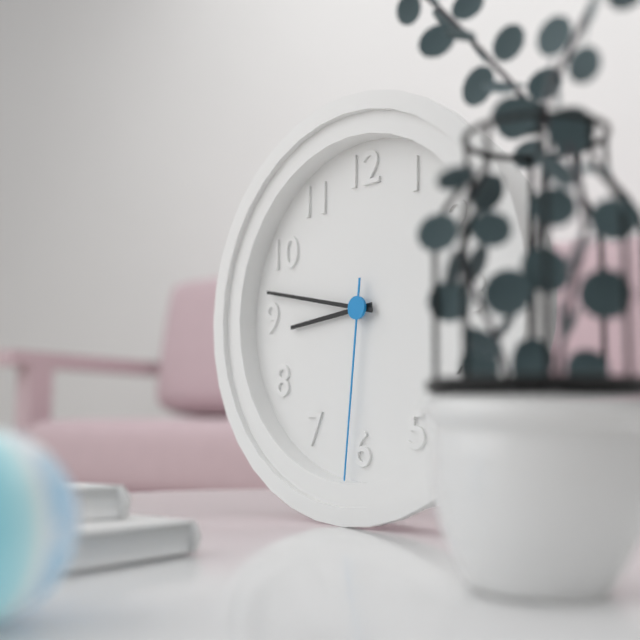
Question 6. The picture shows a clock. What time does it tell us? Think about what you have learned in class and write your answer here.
8:47:31
